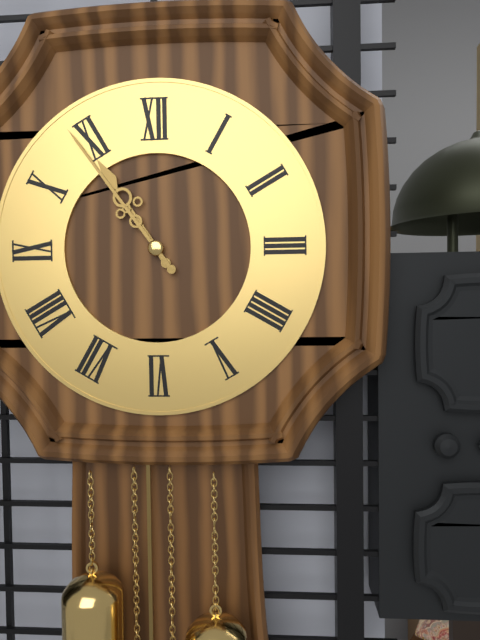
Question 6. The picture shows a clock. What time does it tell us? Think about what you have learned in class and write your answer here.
10:54
